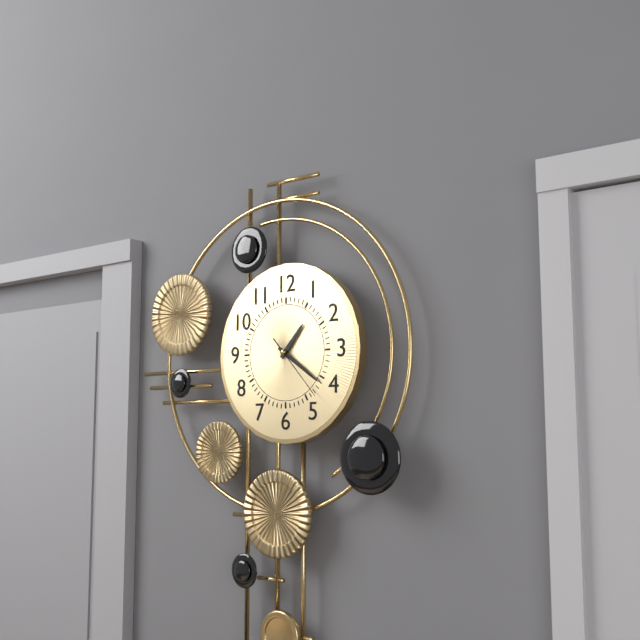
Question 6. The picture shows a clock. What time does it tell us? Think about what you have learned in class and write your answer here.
1:21:23
